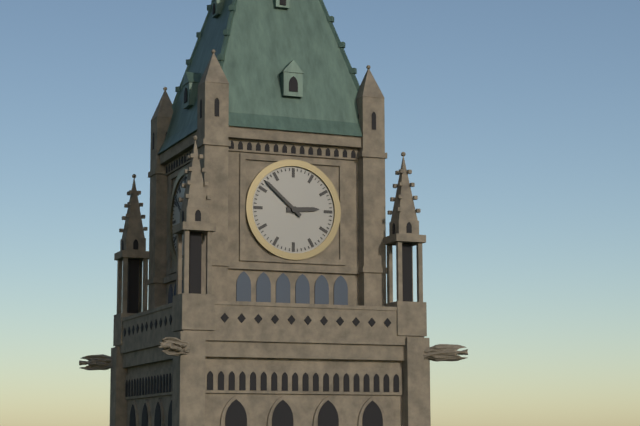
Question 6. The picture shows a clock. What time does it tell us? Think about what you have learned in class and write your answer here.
2:52
